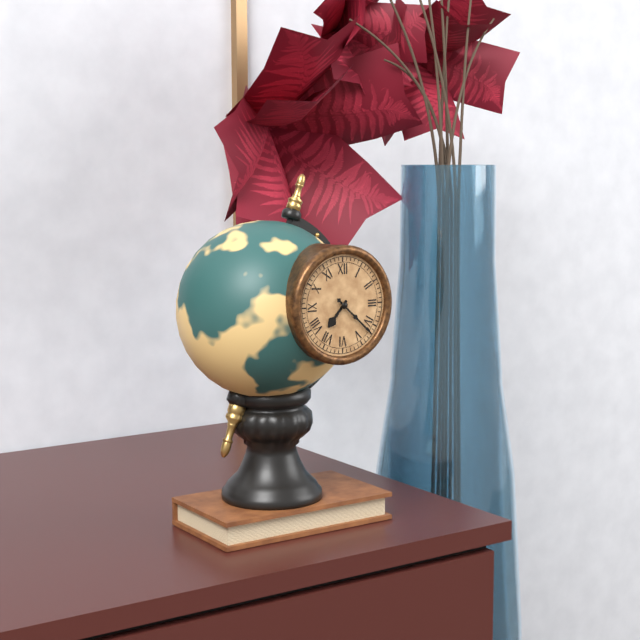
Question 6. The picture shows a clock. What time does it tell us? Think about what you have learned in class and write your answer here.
7:22
